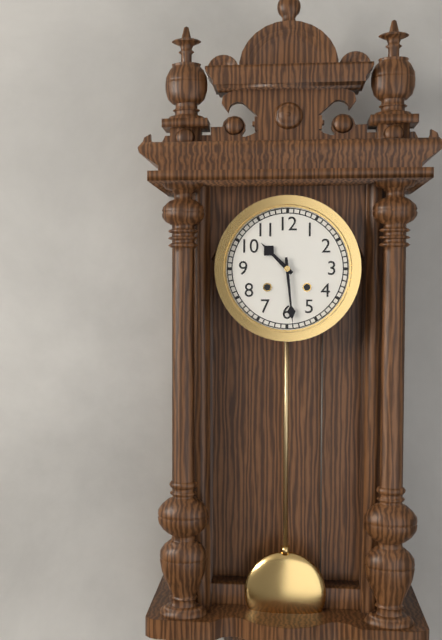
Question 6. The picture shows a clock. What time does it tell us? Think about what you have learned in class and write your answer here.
10:29
